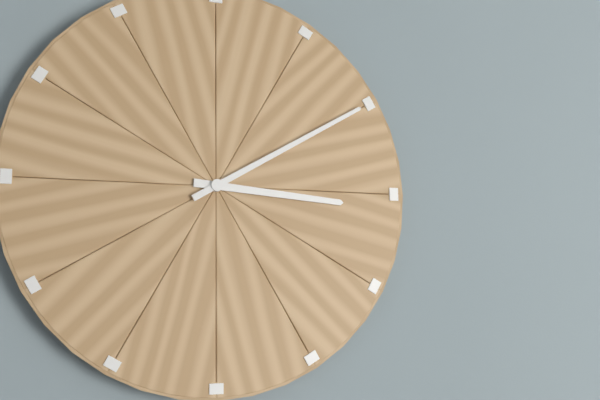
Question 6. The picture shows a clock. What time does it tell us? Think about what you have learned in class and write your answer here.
3:10
